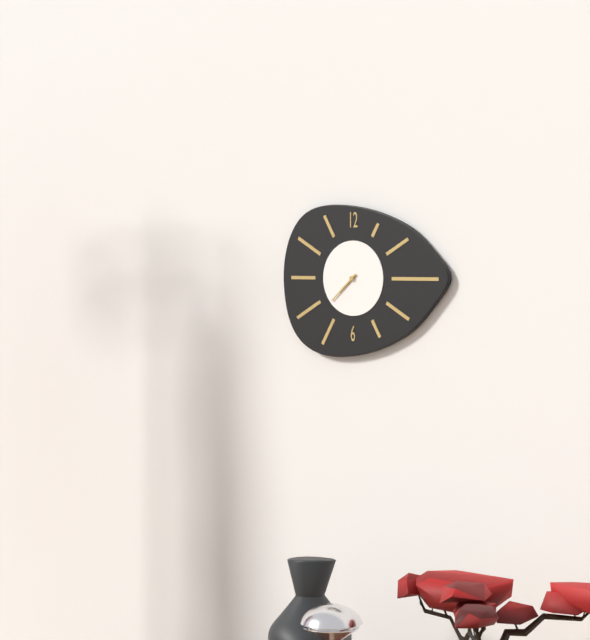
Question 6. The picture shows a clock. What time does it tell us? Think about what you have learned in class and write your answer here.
7:38
